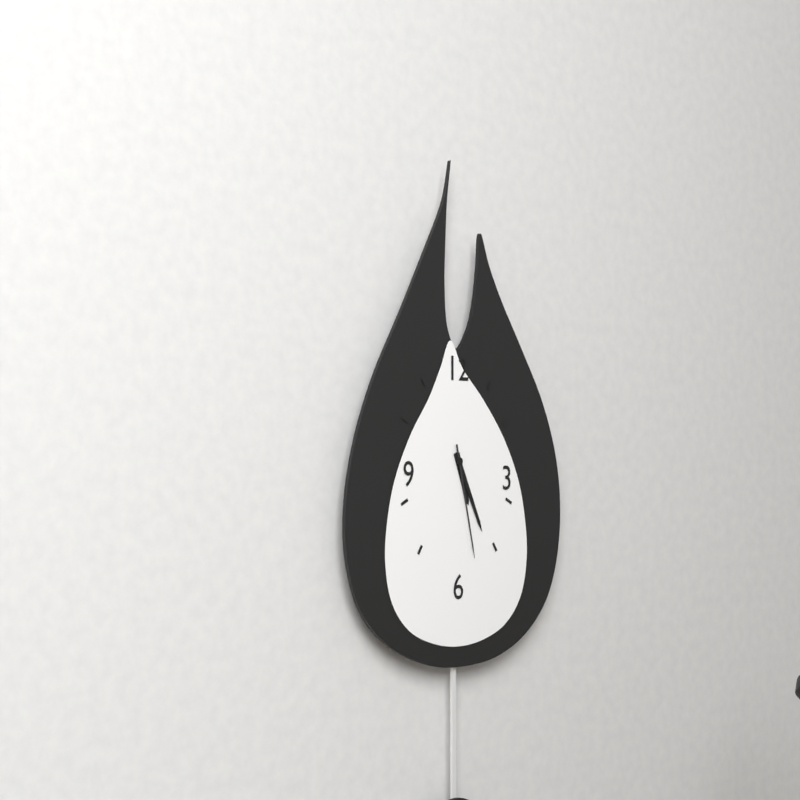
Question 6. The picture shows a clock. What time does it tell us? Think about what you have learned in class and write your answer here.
5:26:28
